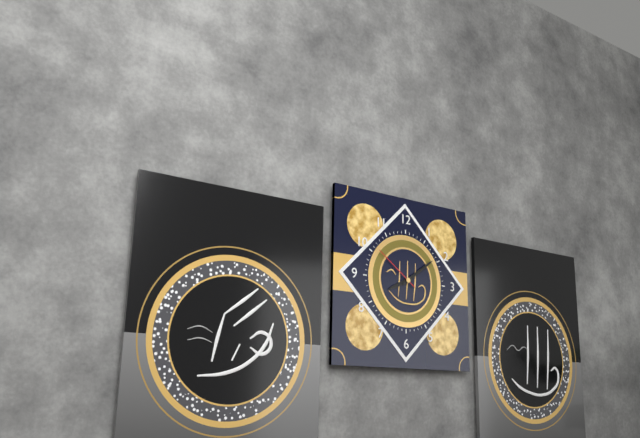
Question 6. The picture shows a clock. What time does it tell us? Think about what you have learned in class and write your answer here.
8:09:51
